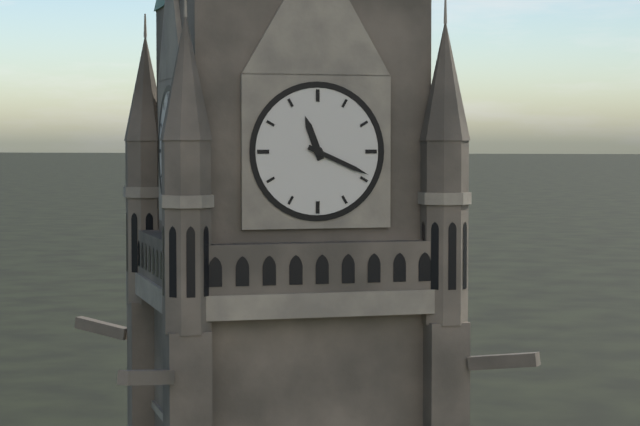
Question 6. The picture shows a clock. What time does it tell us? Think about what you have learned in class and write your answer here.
11:19
